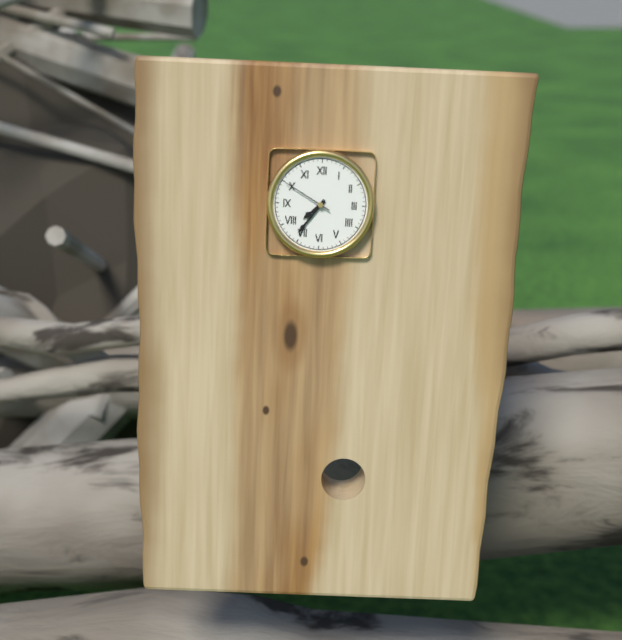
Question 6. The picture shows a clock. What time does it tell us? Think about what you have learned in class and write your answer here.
7:36:50
